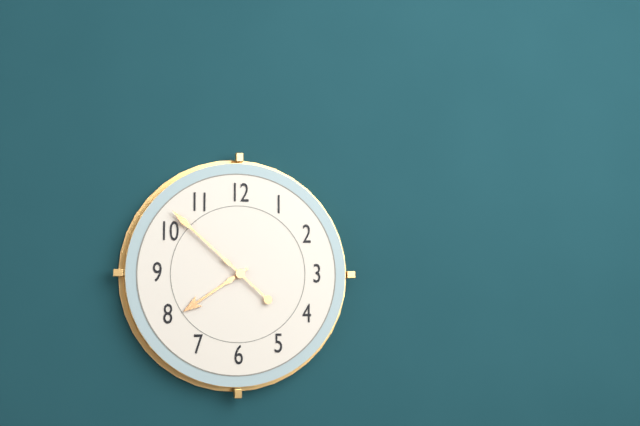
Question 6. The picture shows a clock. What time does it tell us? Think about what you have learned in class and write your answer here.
7:52
